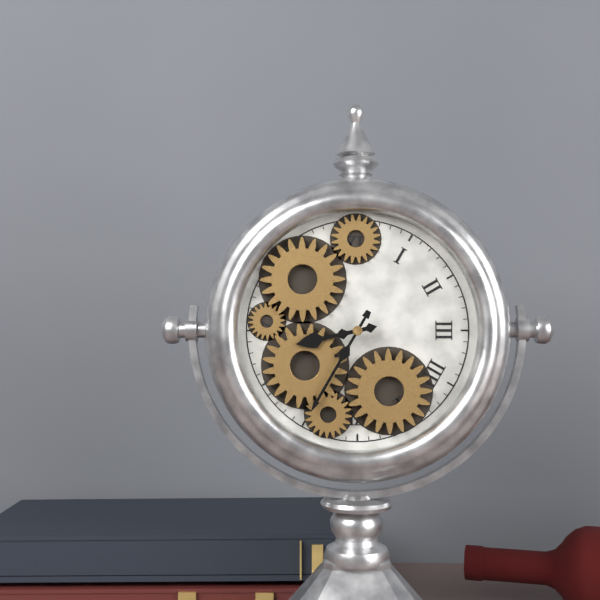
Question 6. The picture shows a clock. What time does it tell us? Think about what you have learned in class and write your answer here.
8:35
